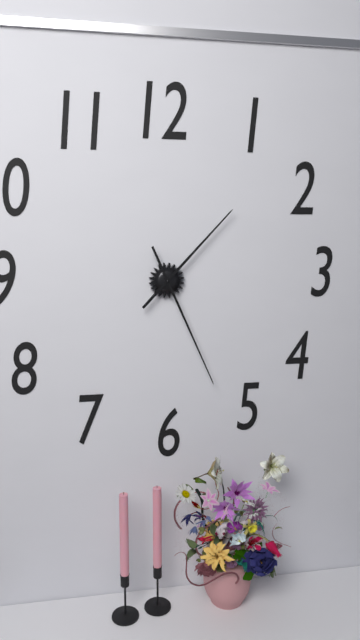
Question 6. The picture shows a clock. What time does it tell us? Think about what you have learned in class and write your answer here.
1:26
